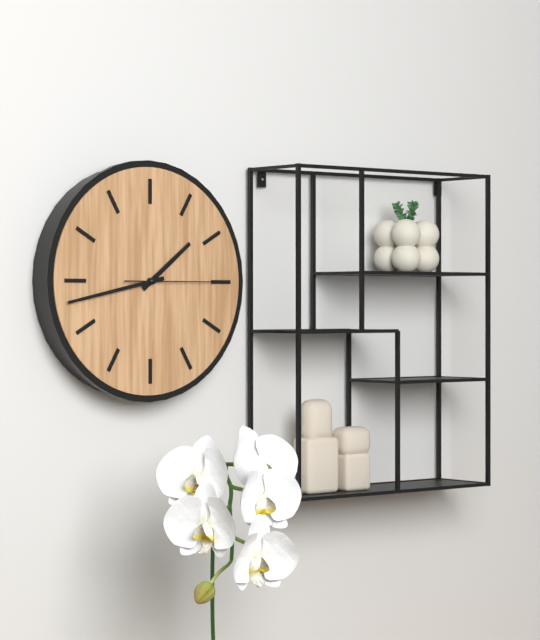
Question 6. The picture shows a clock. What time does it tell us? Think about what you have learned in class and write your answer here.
1:43:15
